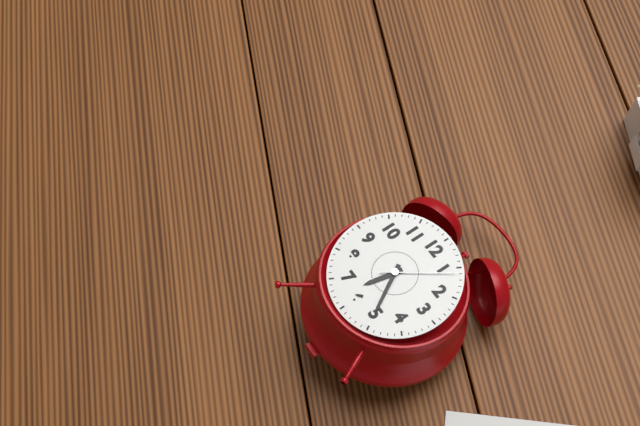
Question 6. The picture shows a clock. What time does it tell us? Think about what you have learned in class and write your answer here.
6:25:06
